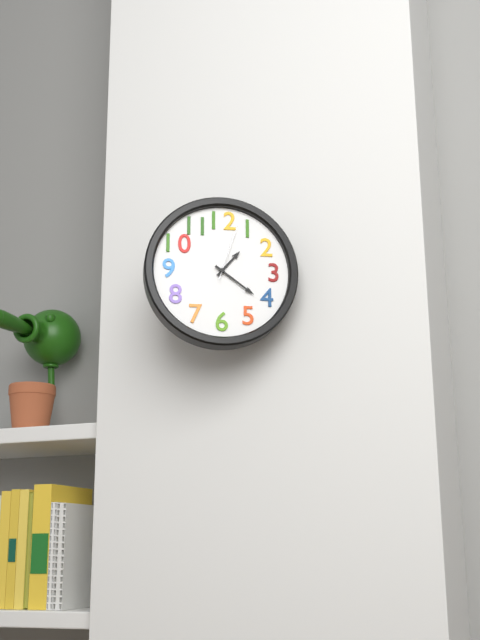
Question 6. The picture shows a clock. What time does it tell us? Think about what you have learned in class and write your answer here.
1:21:03
